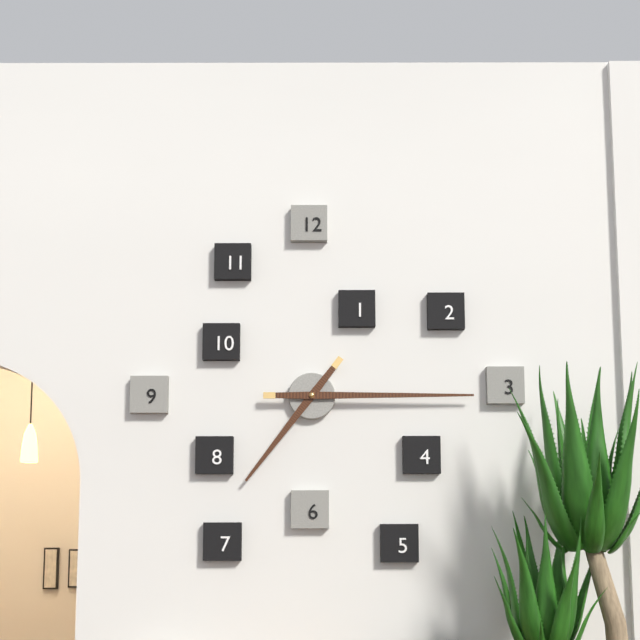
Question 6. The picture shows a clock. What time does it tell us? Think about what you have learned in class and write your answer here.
7:15
